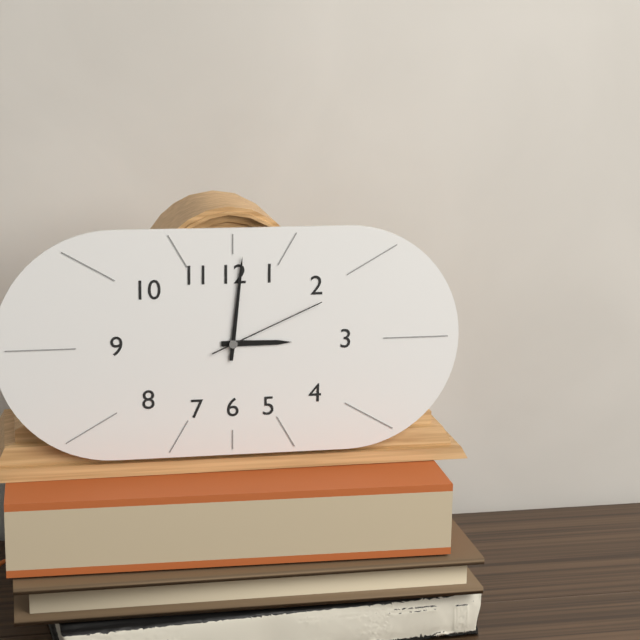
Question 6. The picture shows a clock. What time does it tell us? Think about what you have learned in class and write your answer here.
3:01:11
